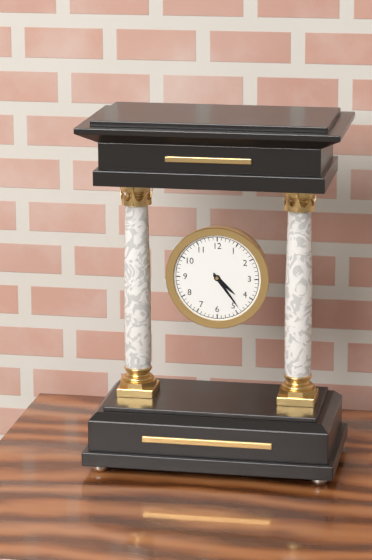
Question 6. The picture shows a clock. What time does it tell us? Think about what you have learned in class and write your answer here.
4:24
